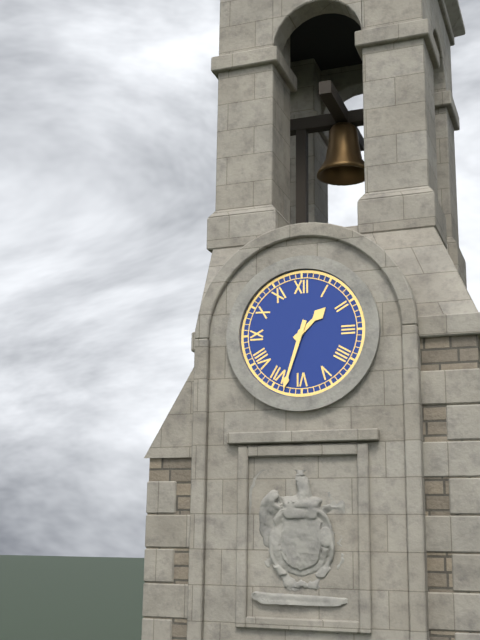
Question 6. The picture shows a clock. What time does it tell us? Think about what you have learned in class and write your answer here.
1:33
